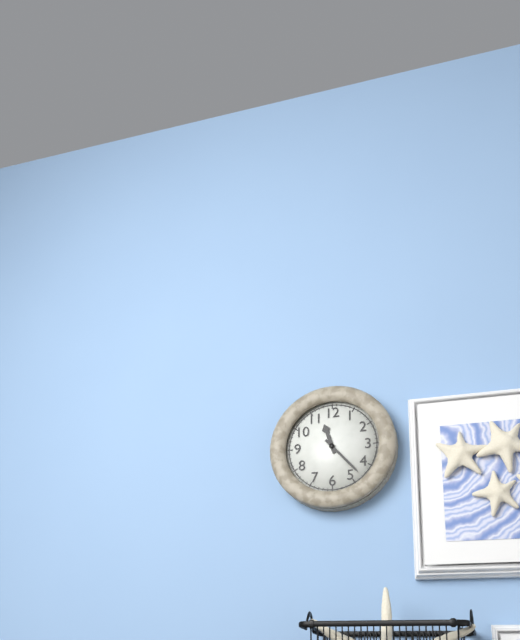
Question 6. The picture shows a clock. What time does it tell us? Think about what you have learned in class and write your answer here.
11:23
